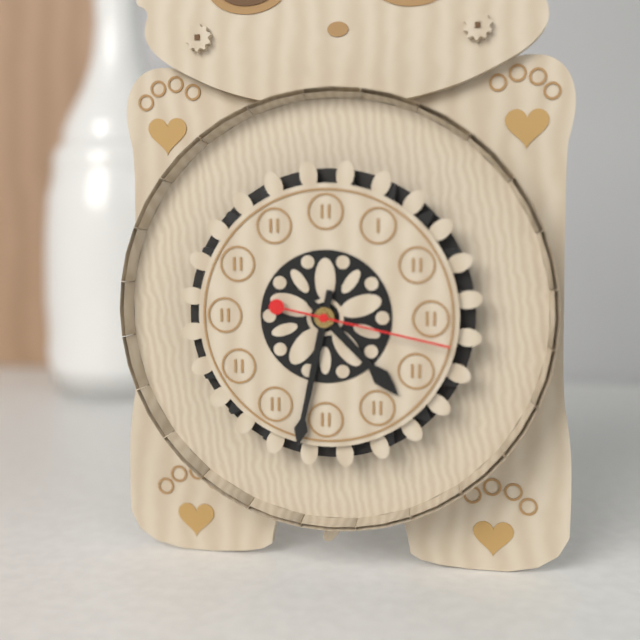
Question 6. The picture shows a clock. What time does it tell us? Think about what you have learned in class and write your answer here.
4:32:17
